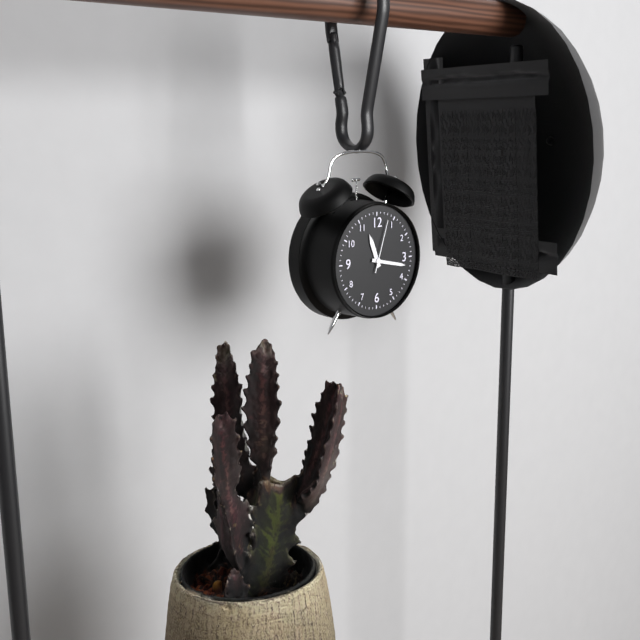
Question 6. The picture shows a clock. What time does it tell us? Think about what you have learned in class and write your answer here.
11:17:03
